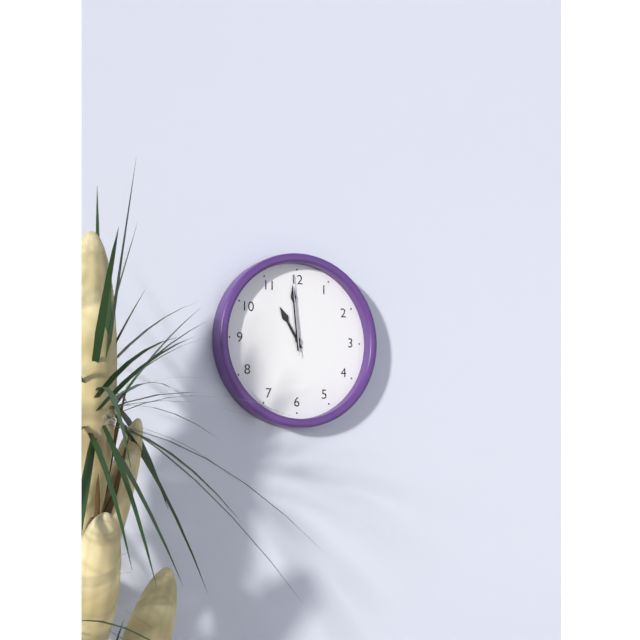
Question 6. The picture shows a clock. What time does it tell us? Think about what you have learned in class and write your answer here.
10:59:59
